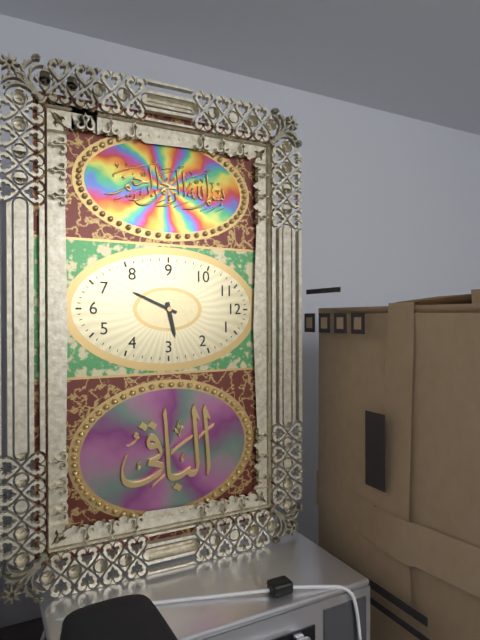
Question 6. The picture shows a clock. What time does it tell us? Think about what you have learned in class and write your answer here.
2:34
